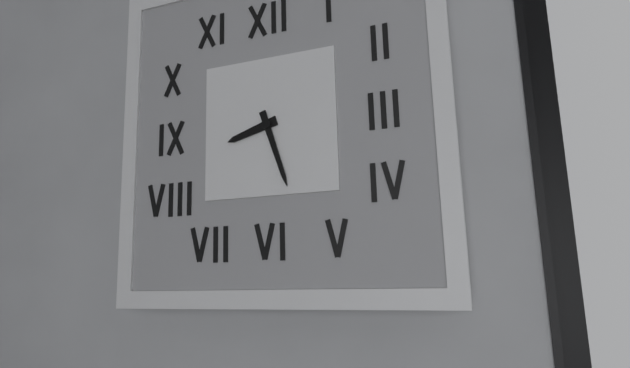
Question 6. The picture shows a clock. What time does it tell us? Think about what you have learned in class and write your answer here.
8:27
